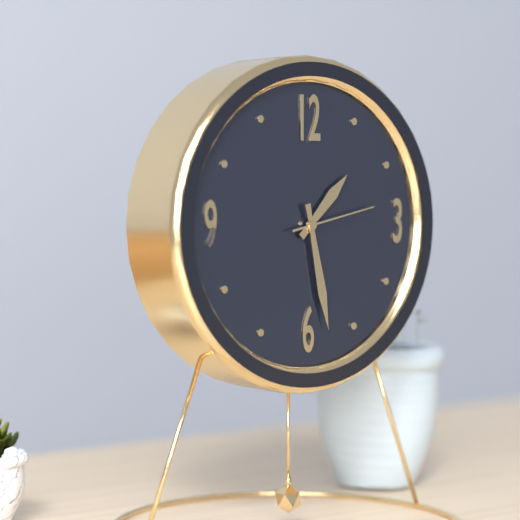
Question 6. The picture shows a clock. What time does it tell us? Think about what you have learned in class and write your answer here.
1:28:13
